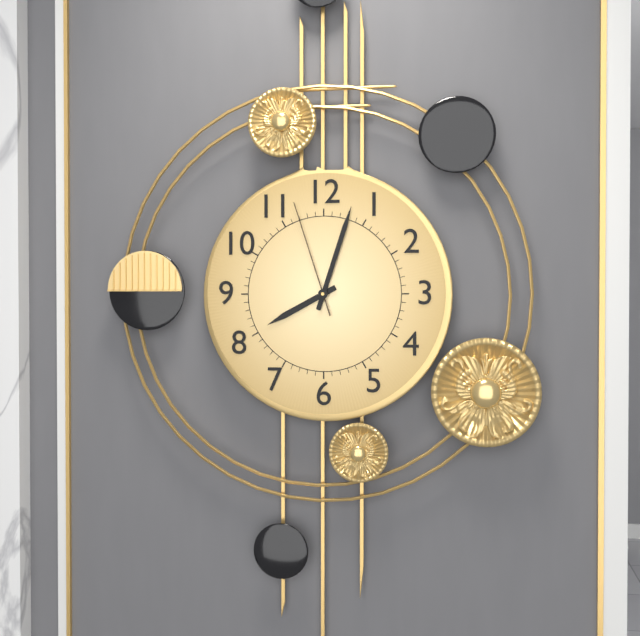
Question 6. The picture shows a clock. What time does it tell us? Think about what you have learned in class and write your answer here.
8:03:57
